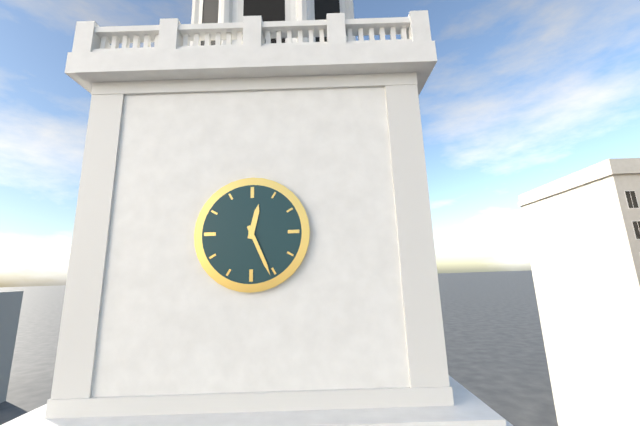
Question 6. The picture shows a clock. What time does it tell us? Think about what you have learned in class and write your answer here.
12:26
